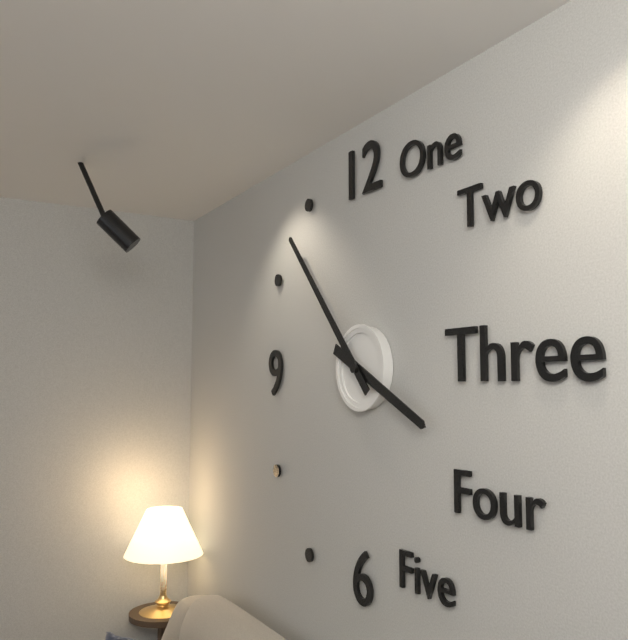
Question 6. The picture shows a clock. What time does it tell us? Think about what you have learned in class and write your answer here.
3:53
